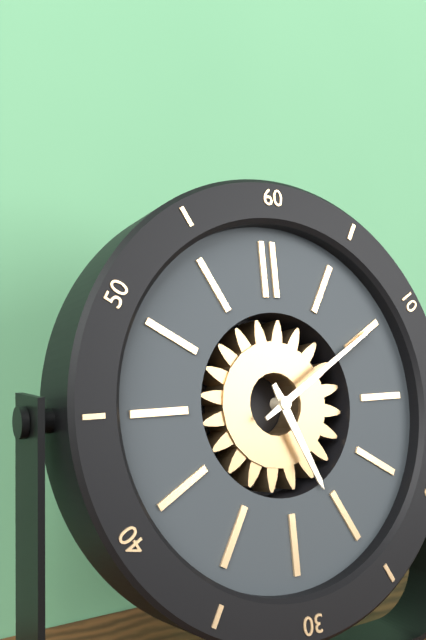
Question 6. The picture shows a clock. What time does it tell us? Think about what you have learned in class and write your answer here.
5:10
